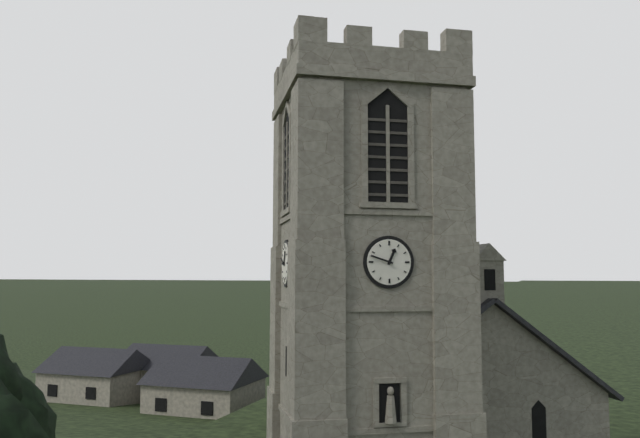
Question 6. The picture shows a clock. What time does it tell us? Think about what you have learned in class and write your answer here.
12:48
